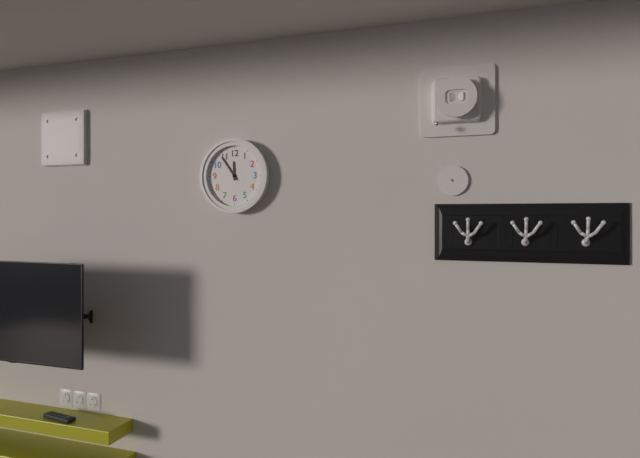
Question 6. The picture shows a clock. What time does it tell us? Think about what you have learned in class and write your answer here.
11:54
